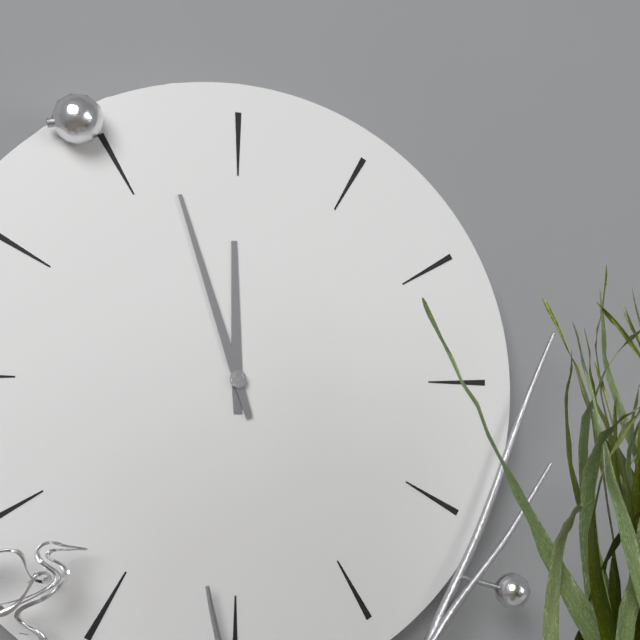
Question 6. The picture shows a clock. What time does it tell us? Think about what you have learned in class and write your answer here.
11:57
